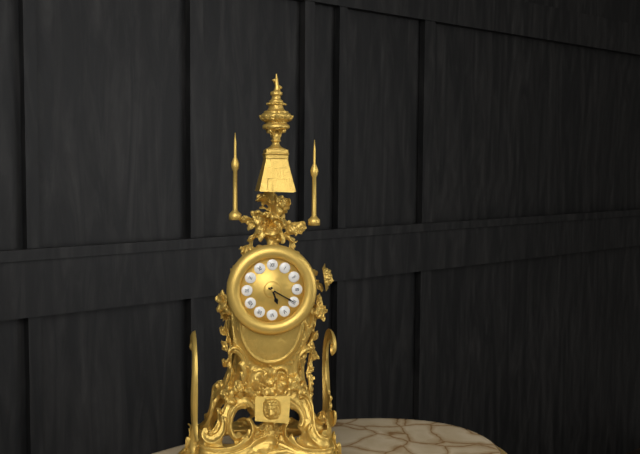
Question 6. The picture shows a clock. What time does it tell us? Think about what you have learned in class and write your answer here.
5:20
